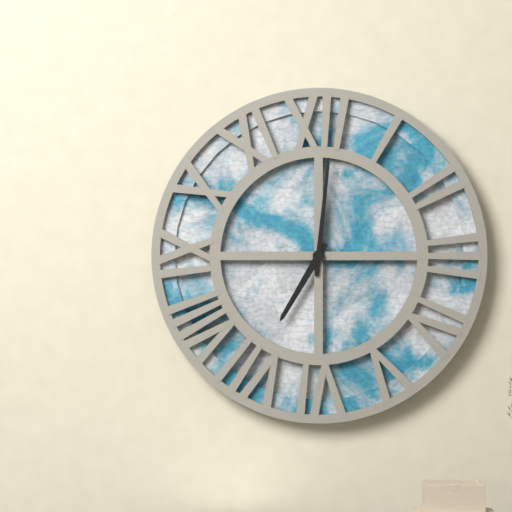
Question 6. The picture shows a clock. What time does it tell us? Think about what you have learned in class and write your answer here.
7:01
